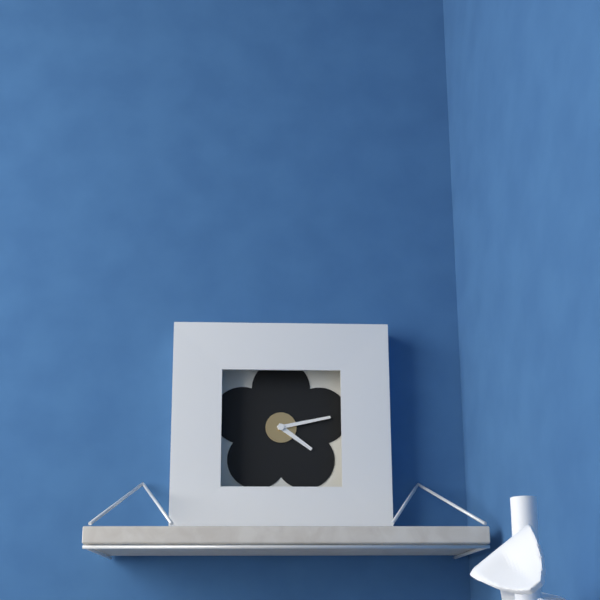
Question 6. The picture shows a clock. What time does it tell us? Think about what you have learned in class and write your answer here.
4:13
